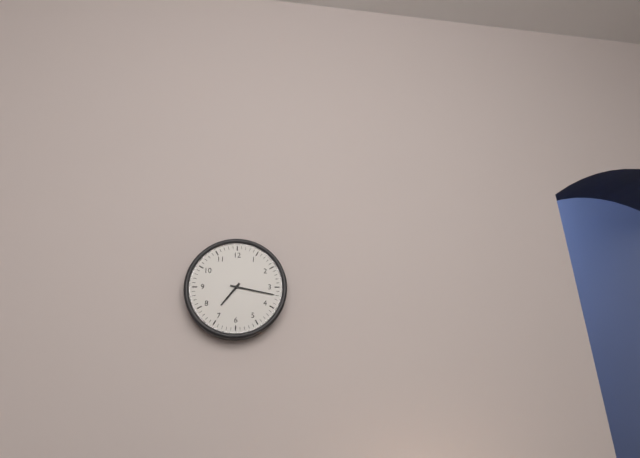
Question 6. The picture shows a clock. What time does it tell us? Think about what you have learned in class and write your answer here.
7:17
